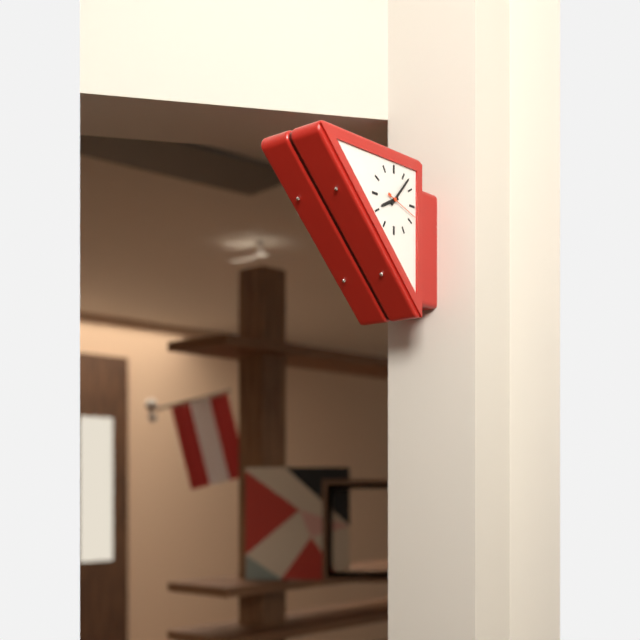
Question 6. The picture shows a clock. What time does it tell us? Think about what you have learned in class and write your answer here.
8:07
